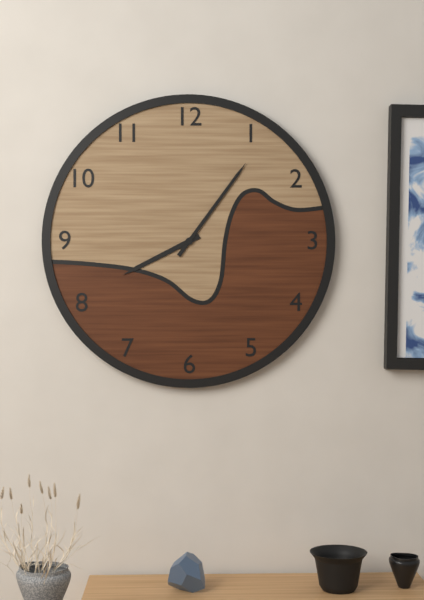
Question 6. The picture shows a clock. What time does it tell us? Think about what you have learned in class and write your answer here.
8:06
